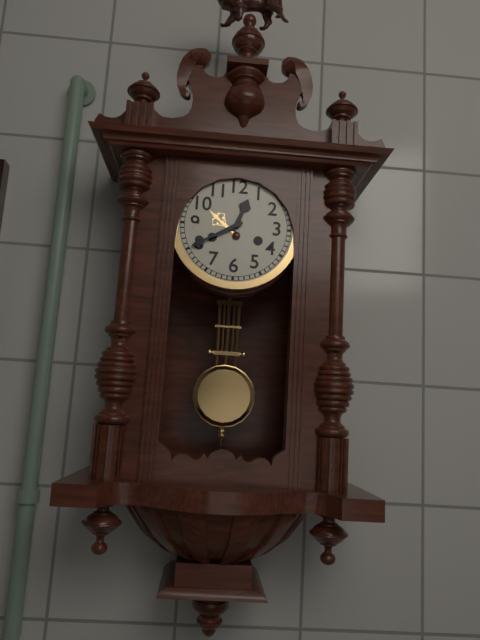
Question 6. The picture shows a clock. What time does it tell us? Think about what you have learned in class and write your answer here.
12:40
